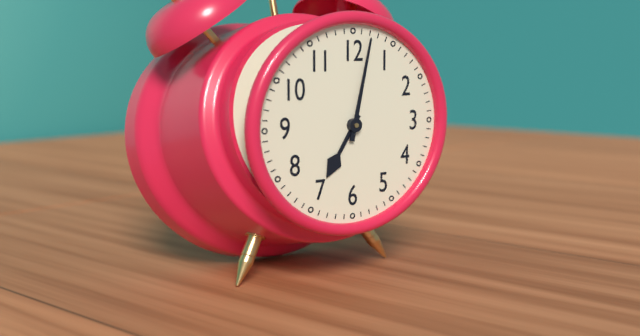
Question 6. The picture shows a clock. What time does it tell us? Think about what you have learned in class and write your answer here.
7:02
